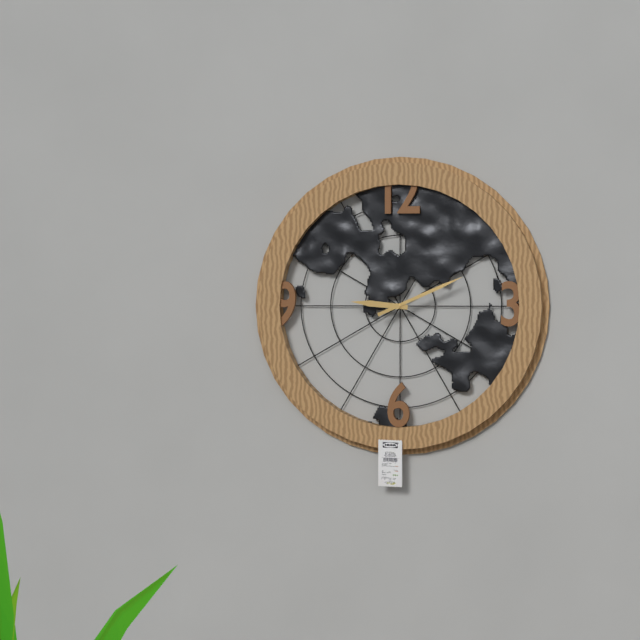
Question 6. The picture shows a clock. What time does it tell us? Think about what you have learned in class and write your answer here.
9:11
